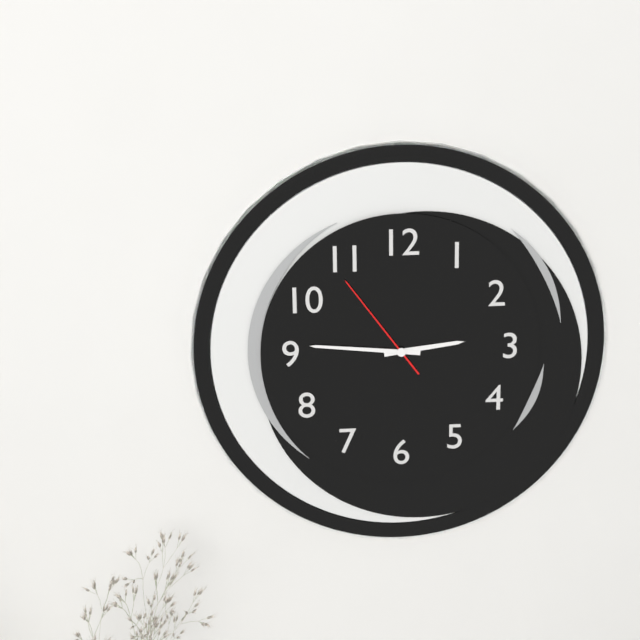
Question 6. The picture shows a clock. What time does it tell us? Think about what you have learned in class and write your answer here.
2:46:54
